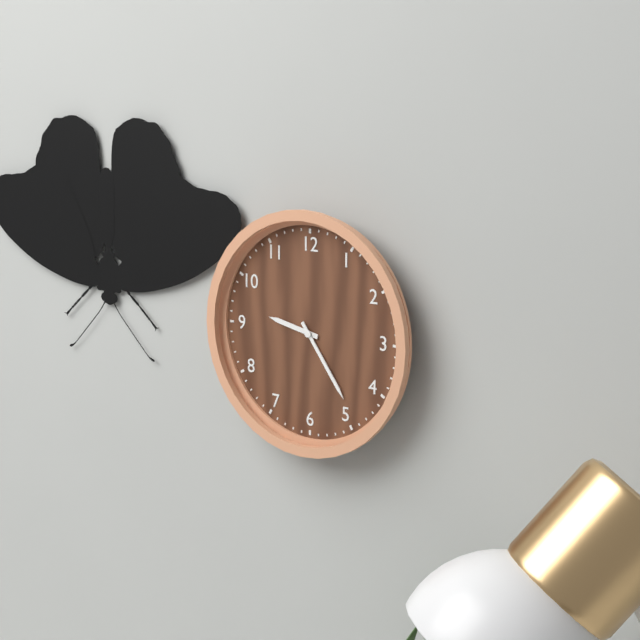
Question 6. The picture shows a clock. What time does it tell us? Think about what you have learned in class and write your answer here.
9:24
